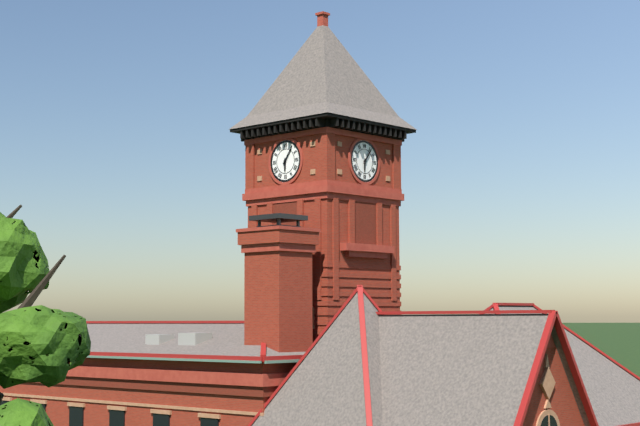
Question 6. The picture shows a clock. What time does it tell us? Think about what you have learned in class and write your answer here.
6:06
